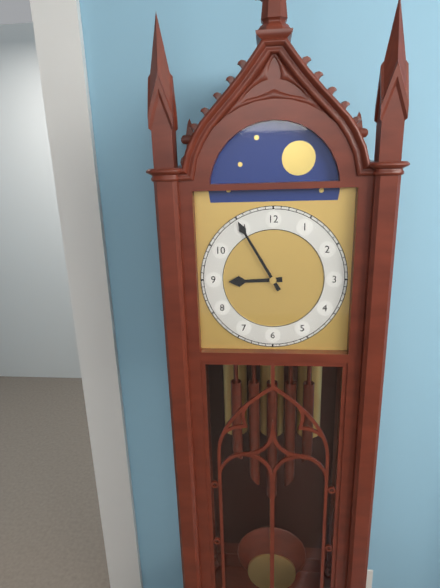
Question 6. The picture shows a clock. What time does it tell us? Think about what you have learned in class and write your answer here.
8:55
